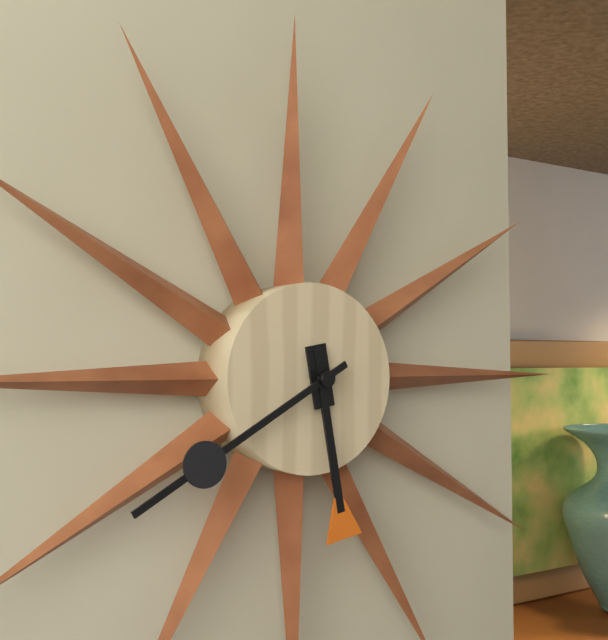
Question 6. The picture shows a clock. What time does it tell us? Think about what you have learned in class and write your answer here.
5:40
